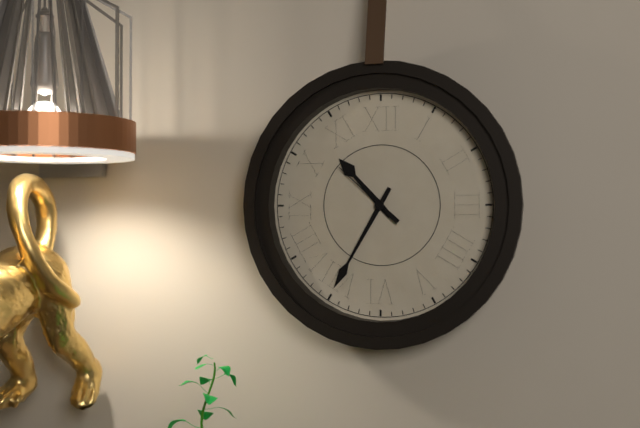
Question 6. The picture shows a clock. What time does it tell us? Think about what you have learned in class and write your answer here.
10:35:52
